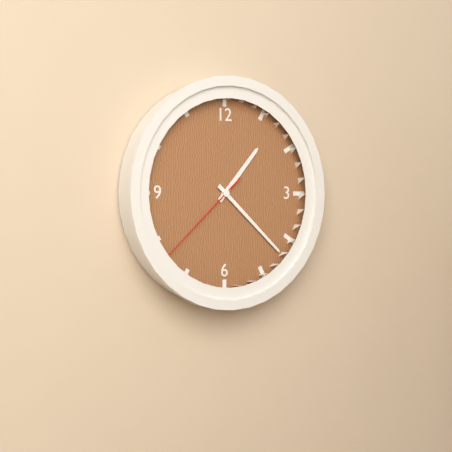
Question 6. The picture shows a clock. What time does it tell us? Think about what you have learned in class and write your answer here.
1:22:38
